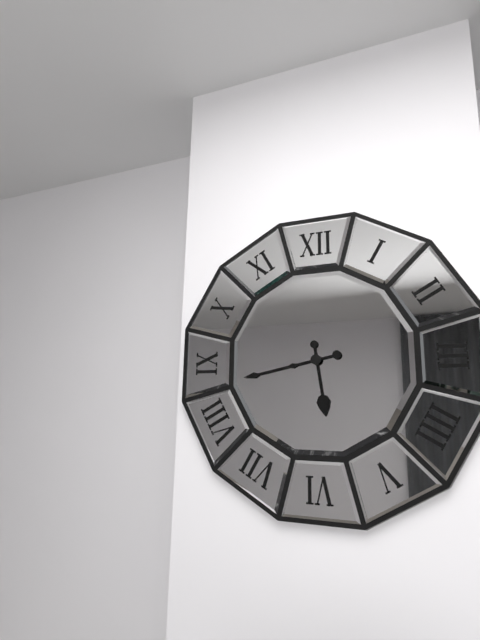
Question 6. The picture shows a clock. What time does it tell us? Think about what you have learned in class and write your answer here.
5:43
